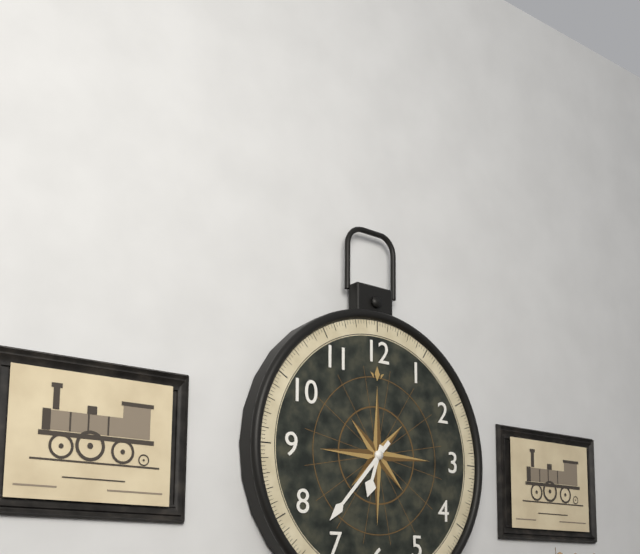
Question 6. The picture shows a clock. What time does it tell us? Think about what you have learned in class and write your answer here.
6:37
